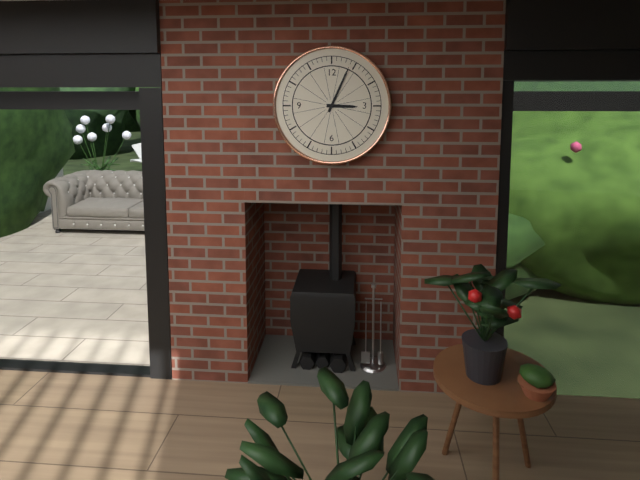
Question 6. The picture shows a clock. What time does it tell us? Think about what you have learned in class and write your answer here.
3:04
